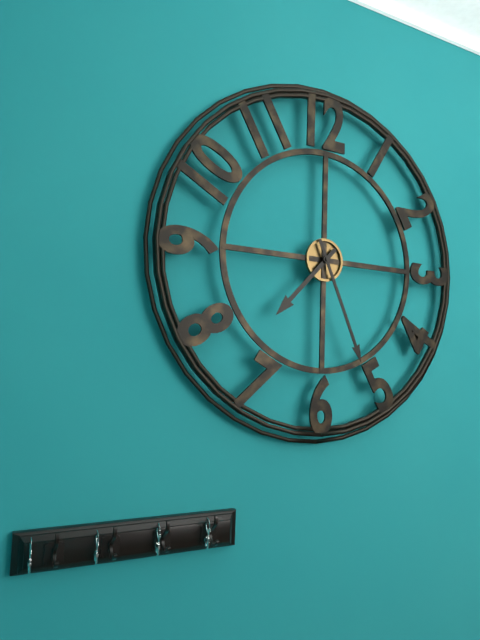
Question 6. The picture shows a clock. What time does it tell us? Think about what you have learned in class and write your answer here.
7:26
